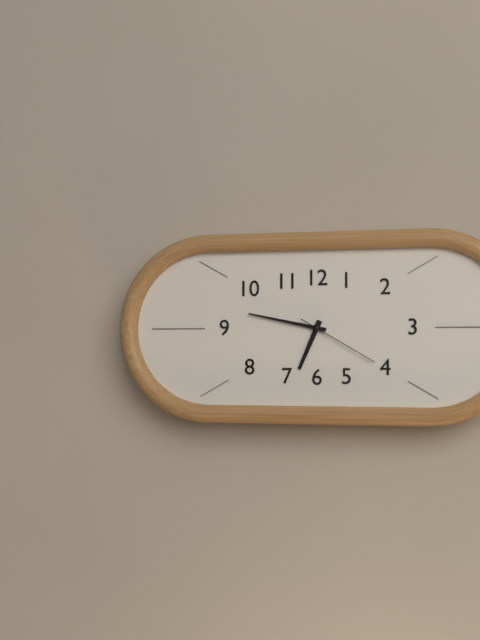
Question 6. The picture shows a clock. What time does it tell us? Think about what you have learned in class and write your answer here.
6:47:20
